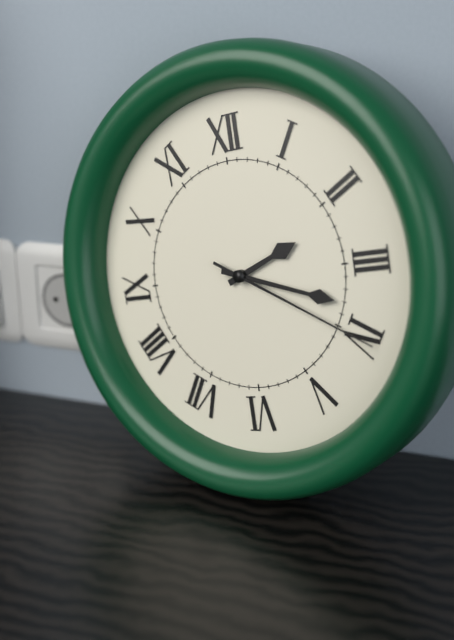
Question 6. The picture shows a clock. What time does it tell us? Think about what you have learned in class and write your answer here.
2:18:20
